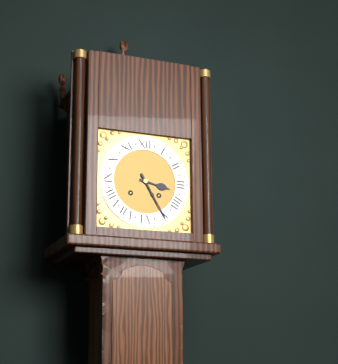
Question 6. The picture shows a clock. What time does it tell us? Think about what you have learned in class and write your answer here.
3:25
